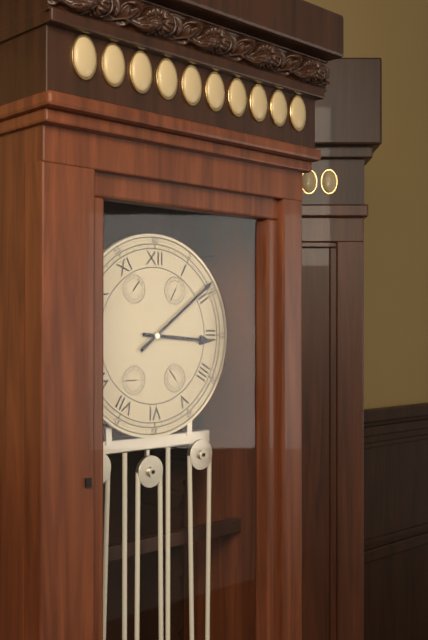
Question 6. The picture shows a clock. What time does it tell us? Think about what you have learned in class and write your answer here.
3:09
